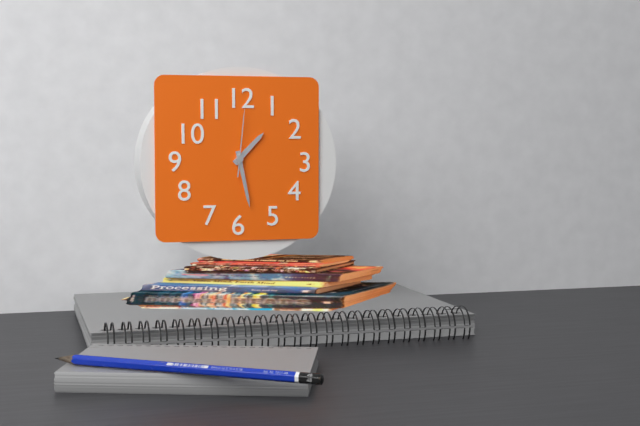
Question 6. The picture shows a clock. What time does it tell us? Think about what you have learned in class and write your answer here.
1:28:01
